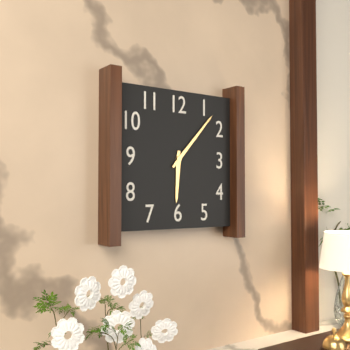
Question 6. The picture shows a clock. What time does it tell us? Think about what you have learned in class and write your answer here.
6:07
